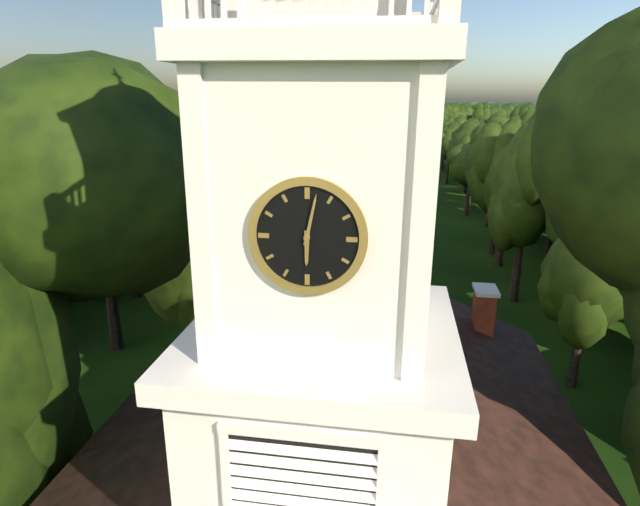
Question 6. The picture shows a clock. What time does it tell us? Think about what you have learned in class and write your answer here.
6:02
